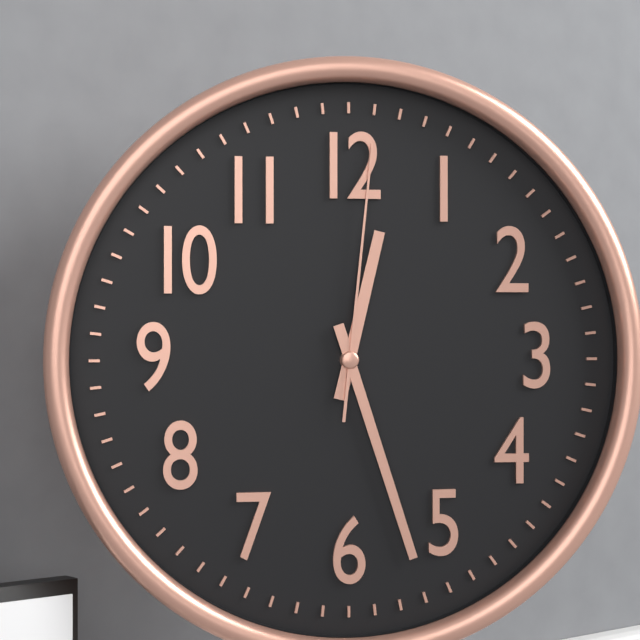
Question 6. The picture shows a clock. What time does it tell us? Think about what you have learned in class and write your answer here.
12:27:01
